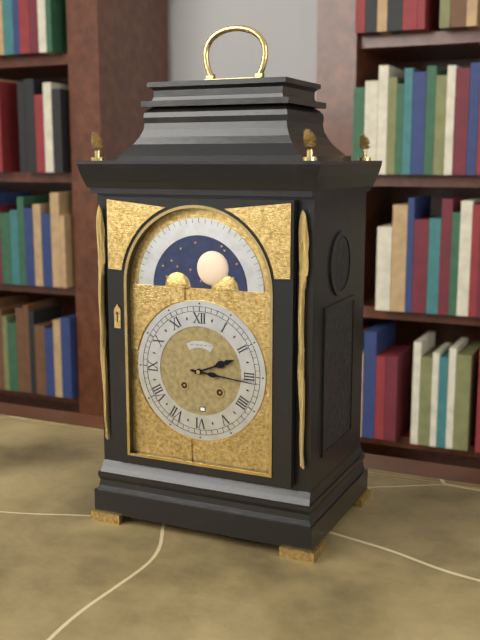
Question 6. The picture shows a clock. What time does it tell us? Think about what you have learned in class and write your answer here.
2:16
